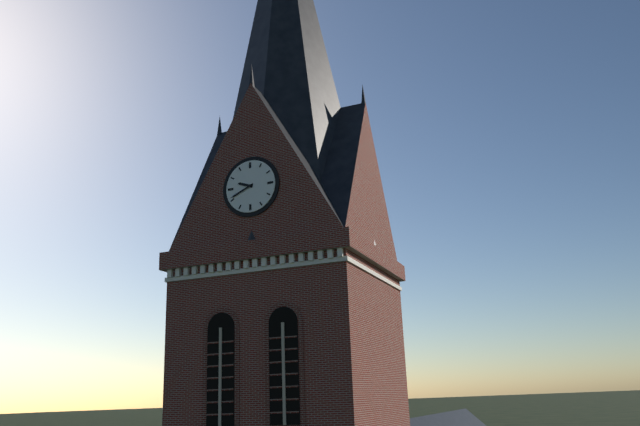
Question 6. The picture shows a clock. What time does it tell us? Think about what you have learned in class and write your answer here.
9:41
